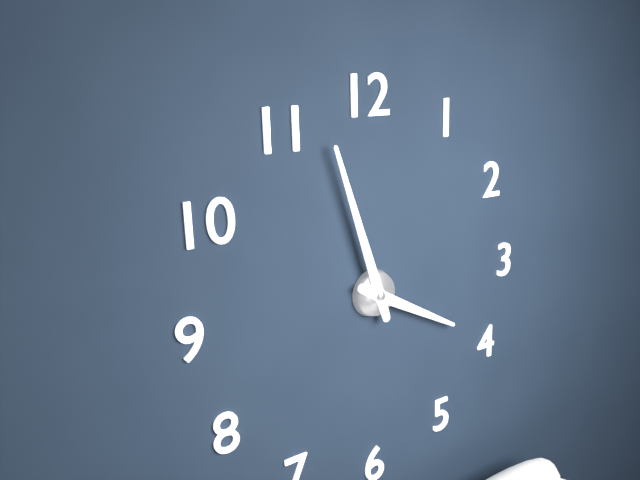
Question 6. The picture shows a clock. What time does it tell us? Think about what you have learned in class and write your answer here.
3:57
